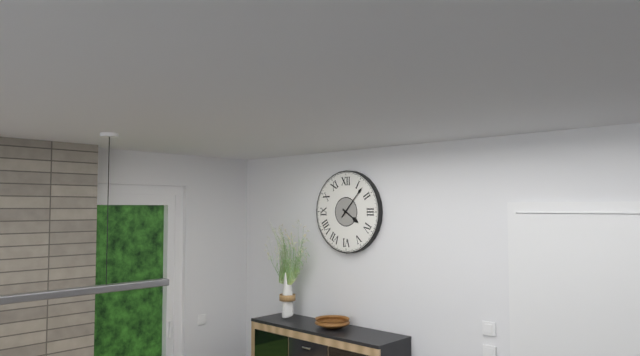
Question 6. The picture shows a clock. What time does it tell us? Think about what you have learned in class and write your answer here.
4:07
